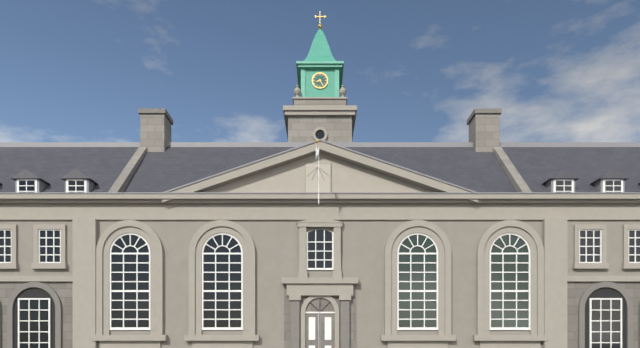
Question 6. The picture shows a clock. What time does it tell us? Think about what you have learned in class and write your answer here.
8:25
